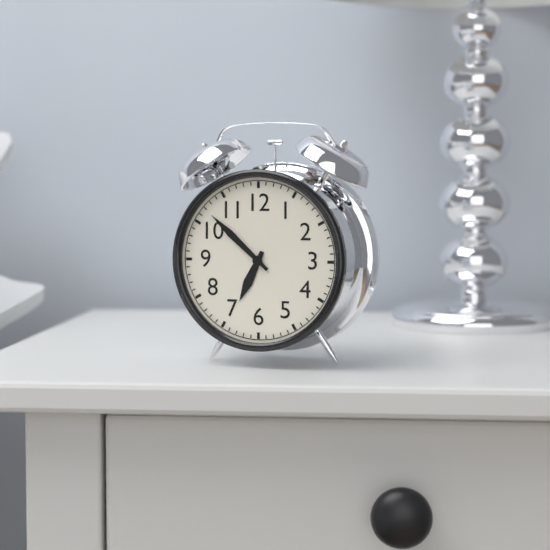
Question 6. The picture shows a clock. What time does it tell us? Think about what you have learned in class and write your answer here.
6:52
